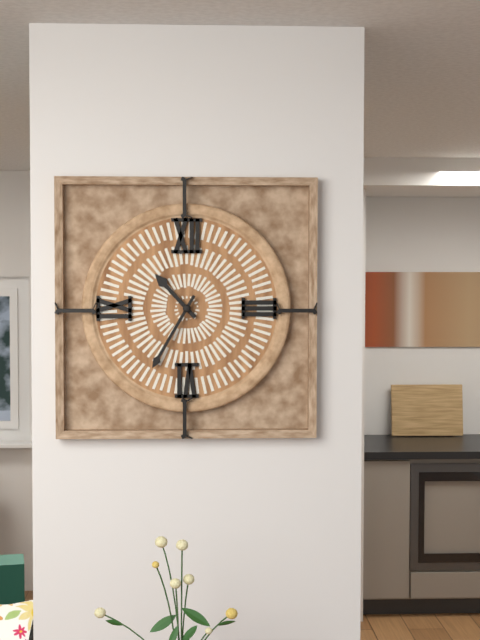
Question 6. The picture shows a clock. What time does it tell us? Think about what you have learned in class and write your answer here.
10:35
